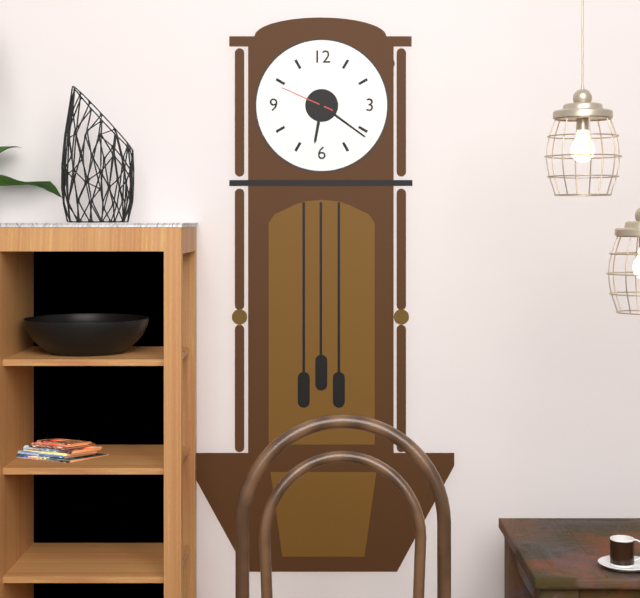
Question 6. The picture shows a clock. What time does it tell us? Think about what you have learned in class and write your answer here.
6:21:49
